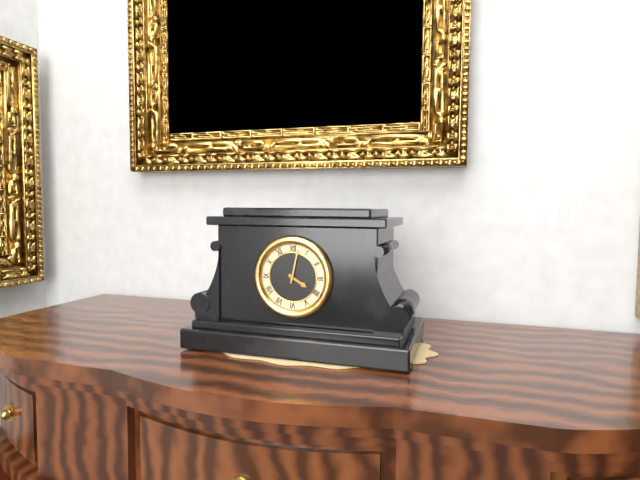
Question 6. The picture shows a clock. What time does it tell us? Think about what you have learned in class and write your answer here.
4:02
